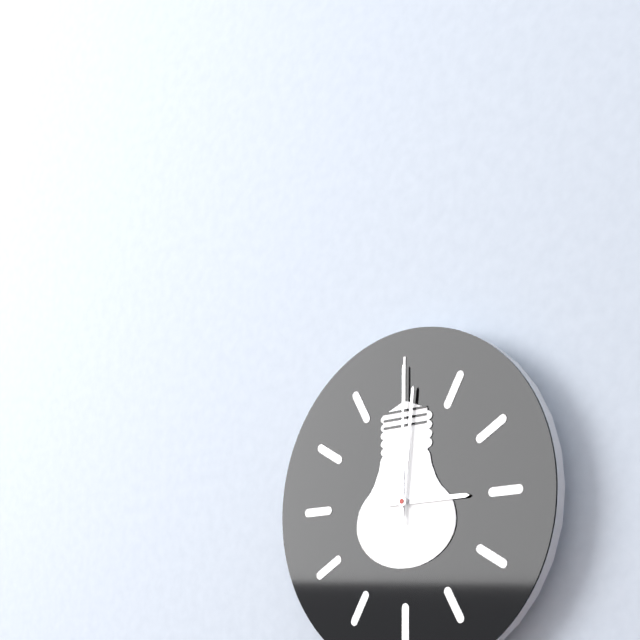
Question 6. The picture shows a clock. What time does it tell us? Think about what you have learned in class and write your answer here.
3:01:00
